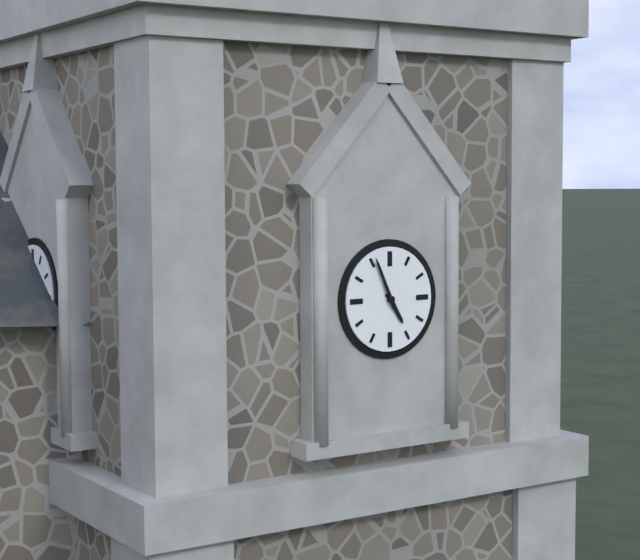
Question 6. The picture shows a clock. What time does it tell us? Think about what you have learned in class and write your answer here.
4:56
